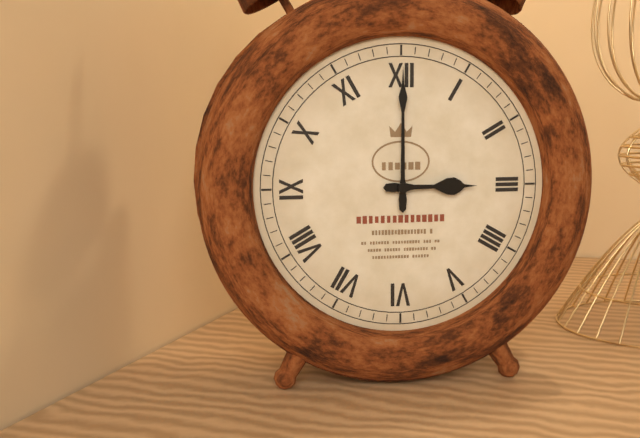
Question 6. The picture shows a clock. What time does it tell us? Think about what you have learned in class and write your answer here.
3:00
